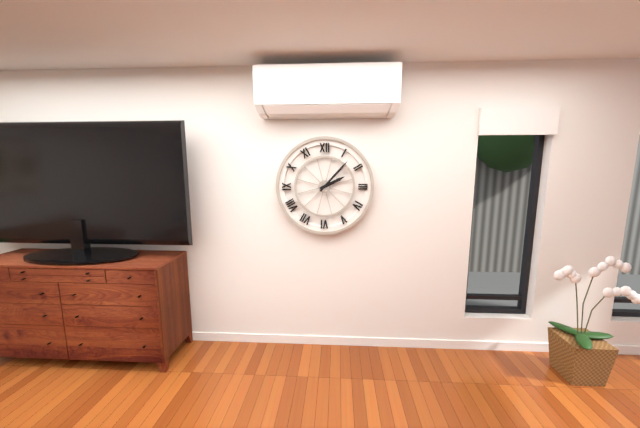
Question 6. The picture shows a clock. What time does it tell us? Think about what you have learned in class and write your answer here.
2:07
